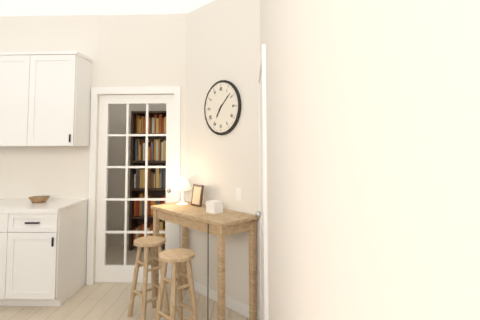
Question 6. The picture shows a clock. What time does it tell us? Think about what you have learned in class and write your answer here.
7:08
